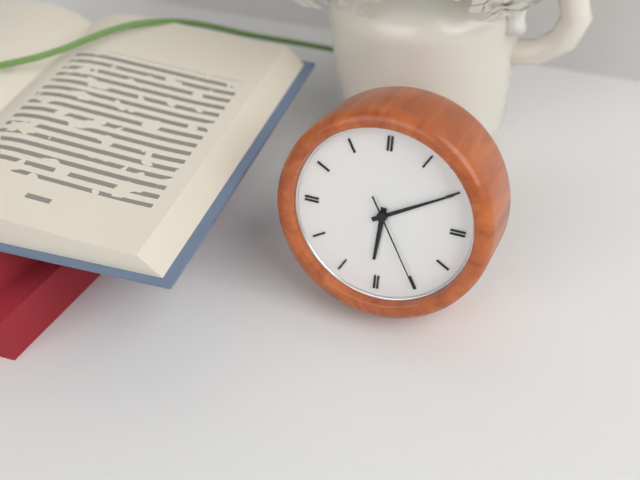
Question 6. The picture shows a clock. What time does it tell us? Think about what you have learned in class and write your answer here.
6:10:25
